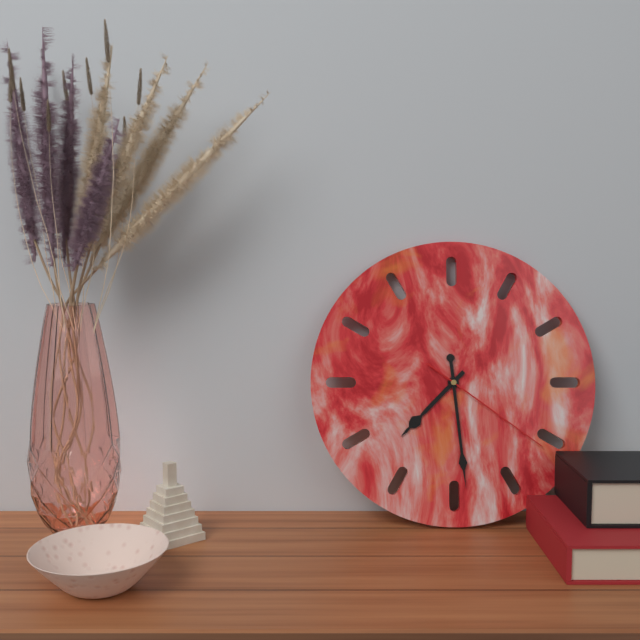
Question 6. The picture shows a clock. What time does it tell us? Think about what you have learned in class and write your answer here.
7:29:21
